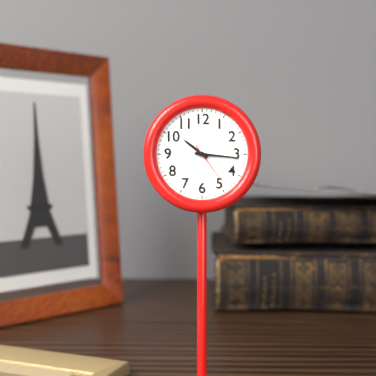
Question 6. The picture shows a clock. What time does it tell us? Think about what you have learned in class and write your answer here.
10:16:24
